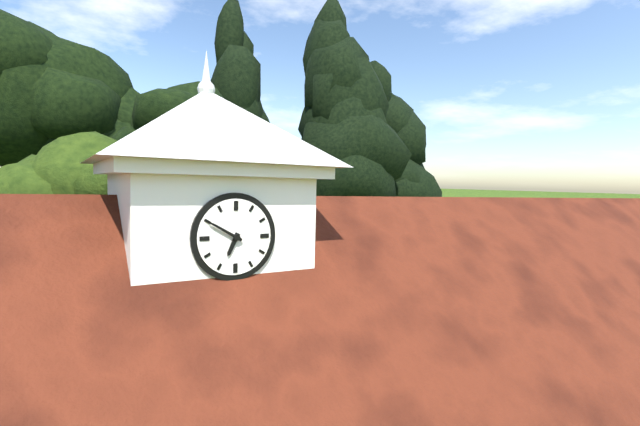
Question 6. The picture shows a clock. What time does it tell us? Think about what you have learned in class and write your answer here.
6:50
